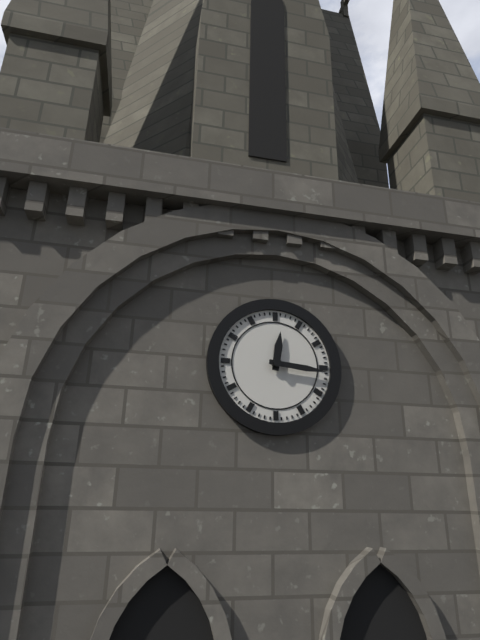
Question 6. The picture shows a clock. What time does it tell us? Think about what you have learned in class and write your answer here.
12:16
